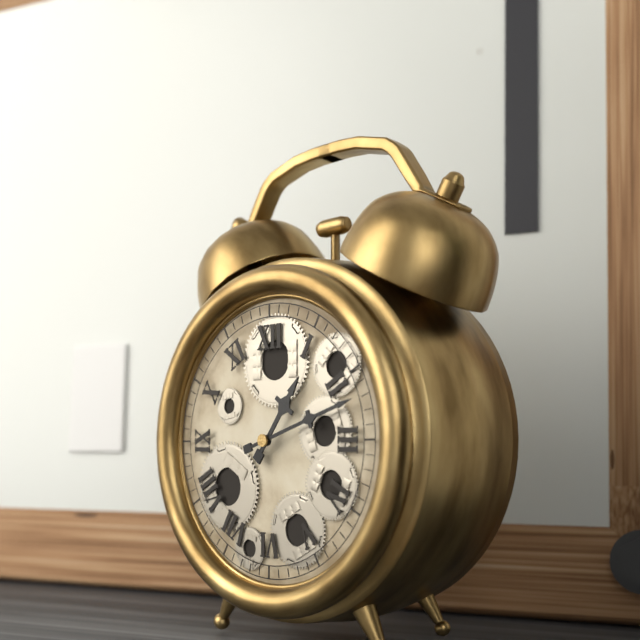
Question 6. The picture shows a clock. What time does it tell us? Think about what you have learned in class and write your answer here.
1:12
